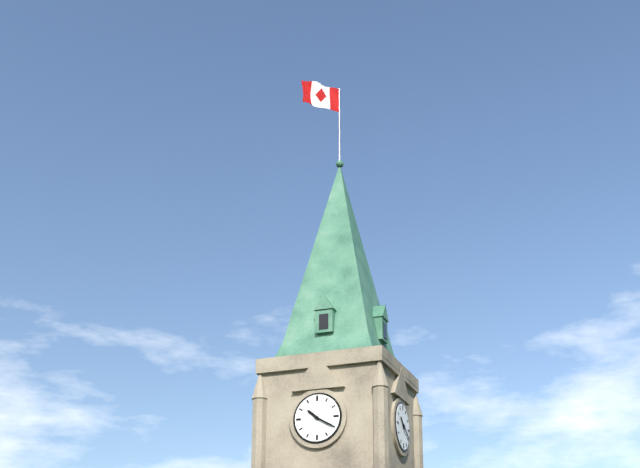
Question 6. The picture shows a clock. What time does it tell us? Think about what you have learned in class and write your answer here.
10:20
